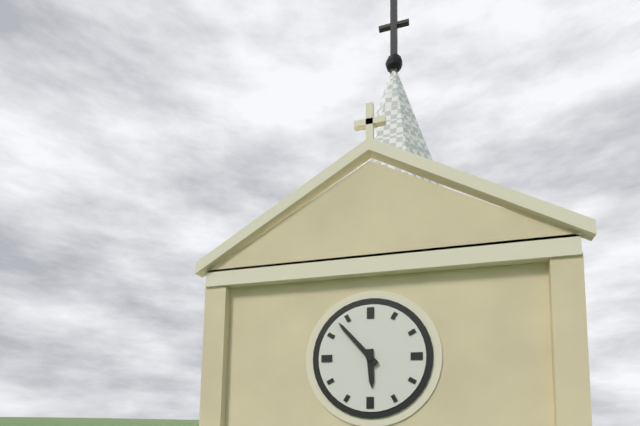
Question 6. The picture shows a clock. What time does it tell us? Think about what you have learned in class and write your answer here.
5:53
